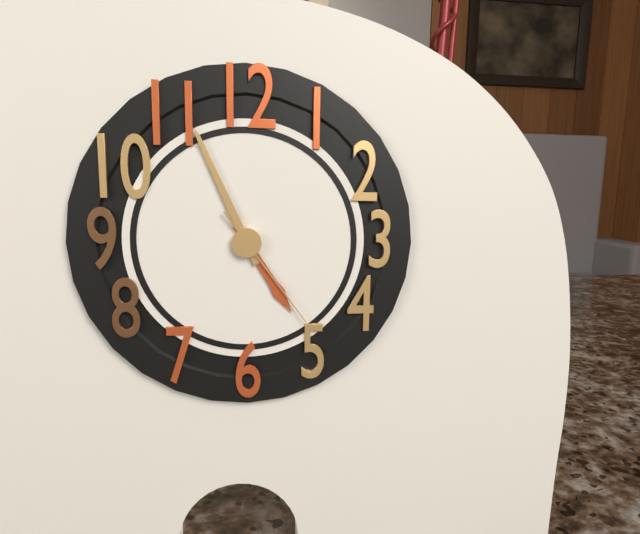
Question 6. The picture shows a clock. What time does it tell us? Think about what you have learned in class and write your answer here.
4:56:24
